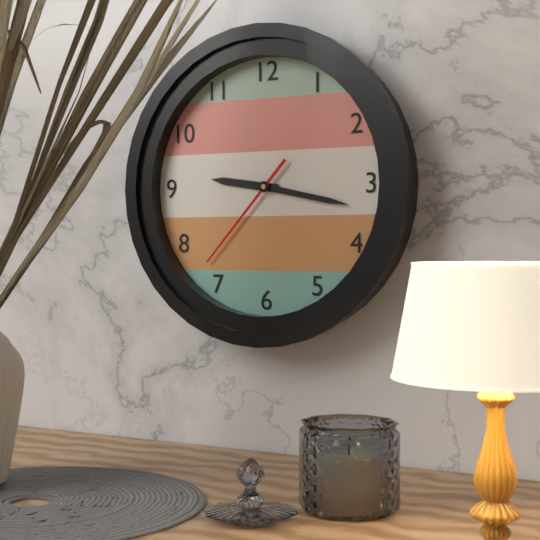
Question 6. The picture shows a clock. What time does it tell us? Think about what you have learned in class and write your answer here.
9:17:37
